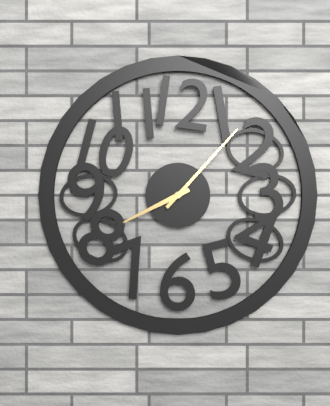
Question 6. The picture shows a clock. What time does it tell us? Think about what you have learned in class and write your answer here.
8:07
